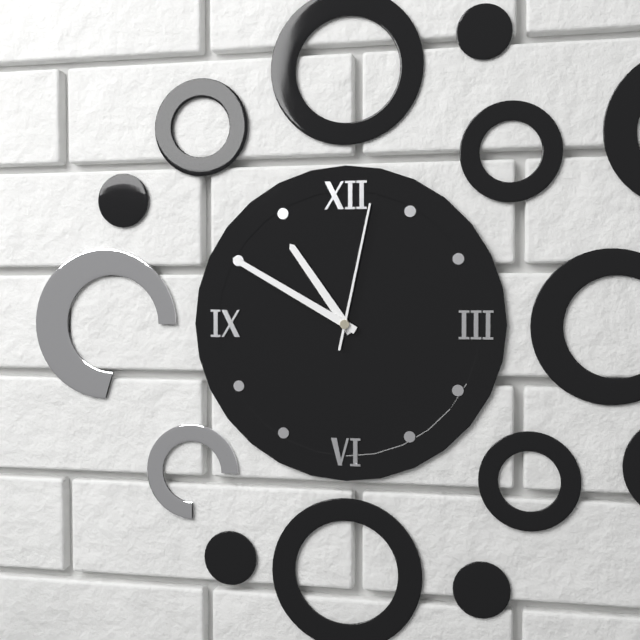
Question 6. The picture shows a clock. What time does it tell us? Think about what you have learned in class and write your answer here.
10:50:02
